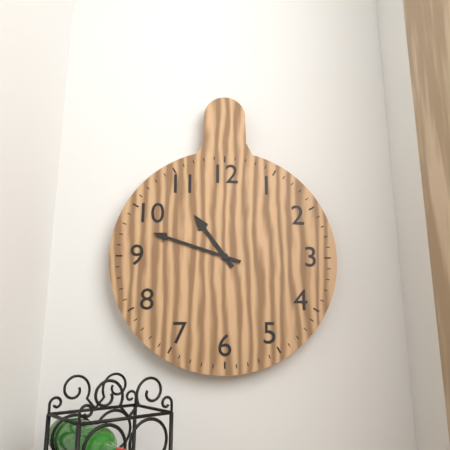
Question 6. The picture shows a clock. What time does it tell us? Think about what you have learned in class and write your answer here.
10:48
